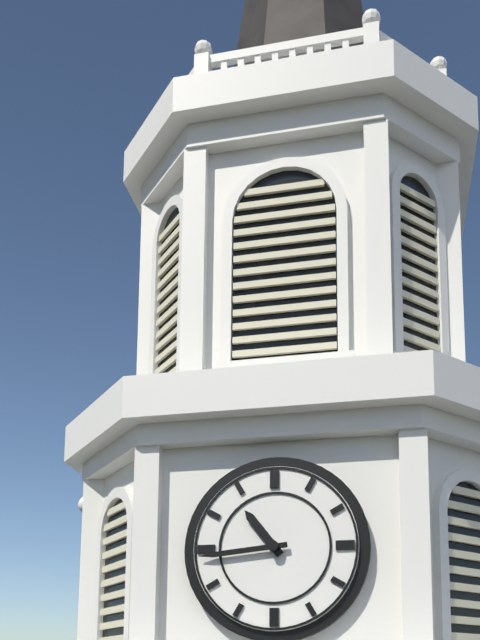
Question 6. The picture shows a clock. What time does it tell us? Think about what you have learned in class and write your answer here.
10:44
